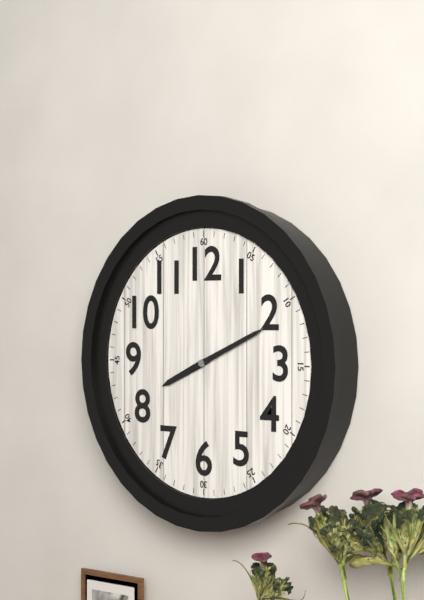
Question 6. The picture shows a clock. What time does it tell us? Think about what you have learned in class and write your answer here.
8:11
